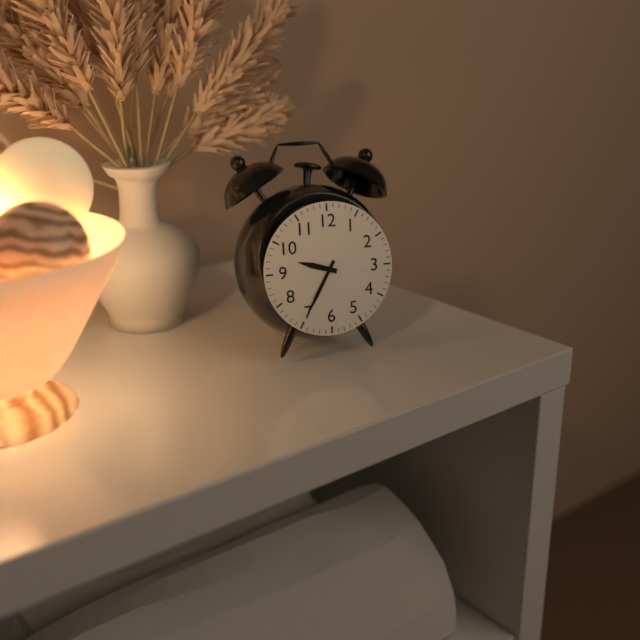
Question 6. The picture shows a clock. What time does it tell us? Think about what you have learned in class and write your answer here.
9:35
